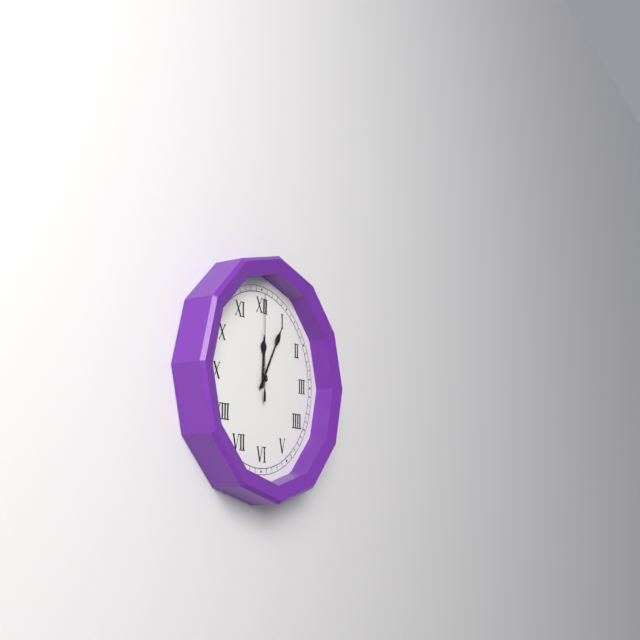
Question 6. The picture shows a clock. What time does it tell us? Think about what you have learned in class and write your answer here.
12:05:00
